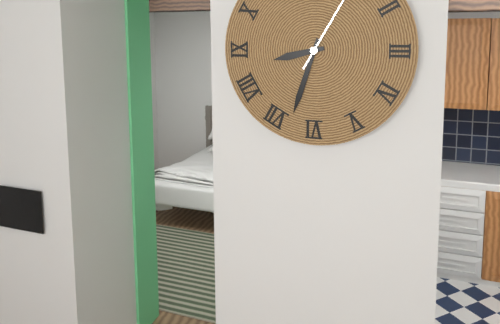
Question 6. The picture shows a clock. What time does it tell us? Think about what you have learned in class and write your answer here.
8:33
